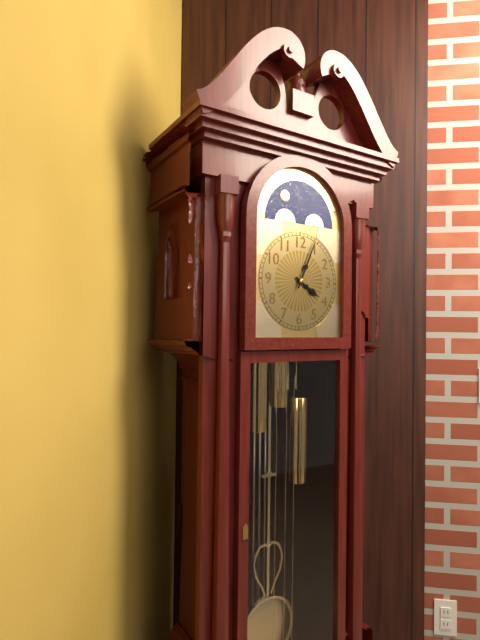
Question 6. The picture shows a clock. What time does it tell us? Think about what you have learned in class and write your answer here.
4:04
